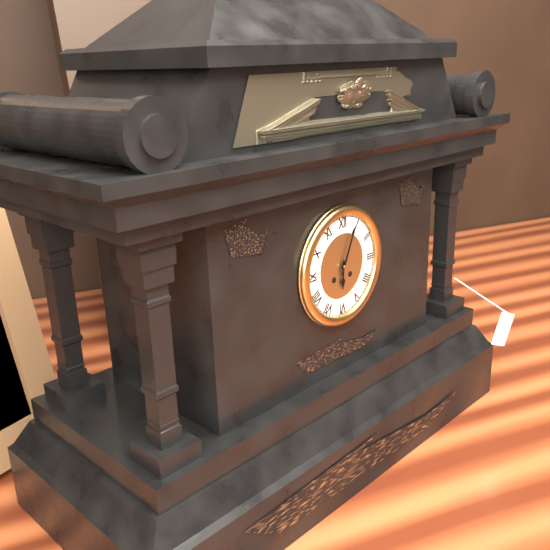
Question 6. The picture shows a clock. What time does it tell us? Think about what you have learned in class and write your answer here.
6:04
